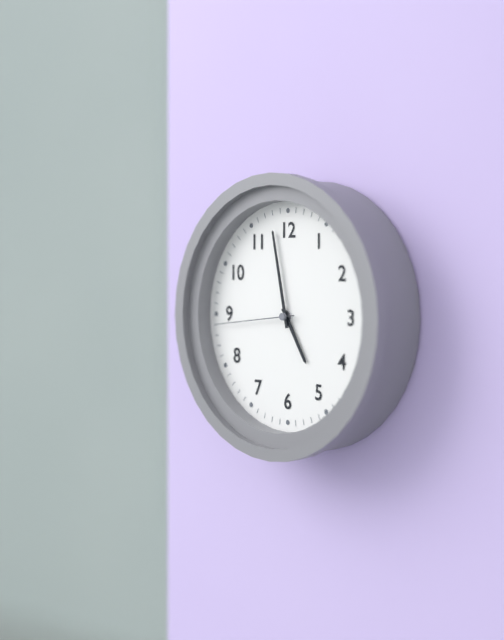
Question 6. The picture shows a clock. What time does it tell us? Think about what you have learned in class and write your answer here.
4:58:44
